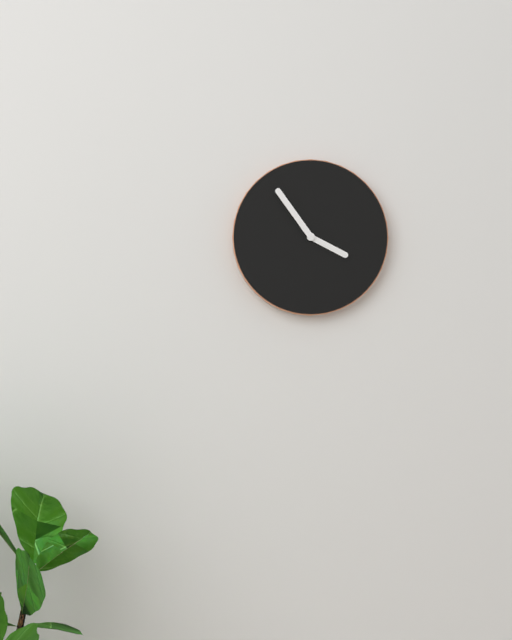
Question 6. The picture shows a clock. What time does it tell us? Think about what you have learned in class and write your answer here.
3:54
